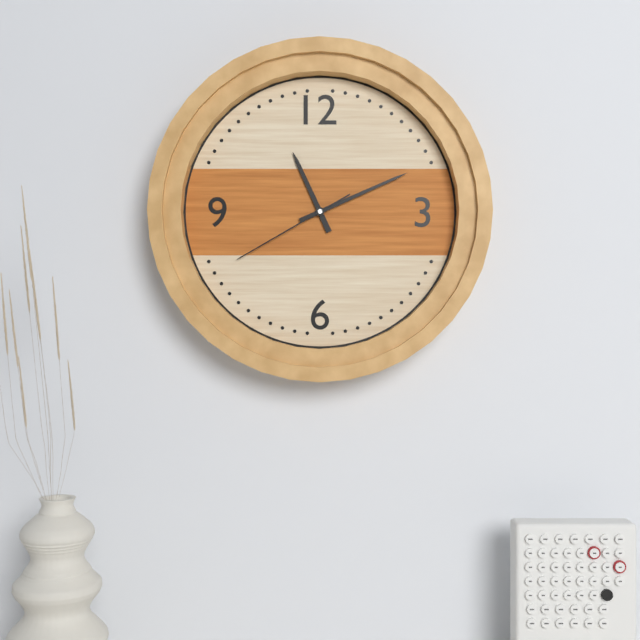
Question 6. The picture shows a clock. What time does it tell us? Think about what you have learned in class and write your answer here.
11:11:40
